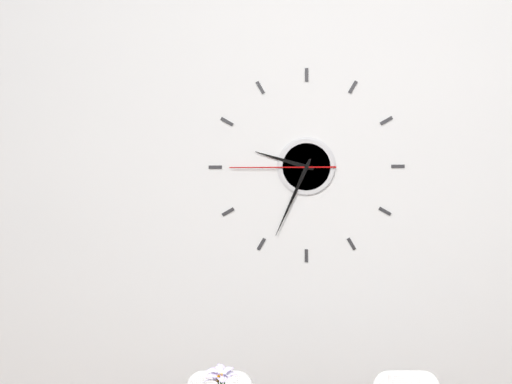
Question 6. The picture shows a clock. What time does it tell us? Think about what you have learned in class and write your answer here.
9:34:45
